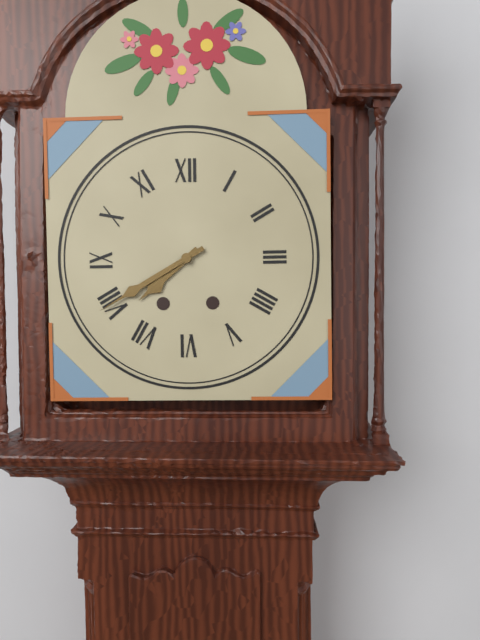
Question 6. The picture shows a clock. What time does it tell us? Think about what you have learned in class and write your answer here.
7:40
